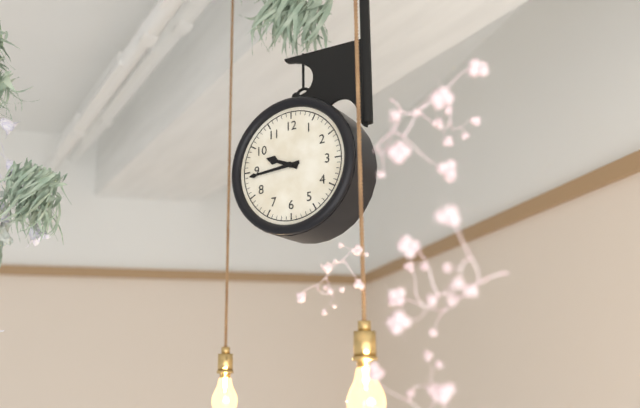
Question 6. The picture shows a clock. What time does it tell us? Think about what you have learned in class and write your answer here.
9:44
